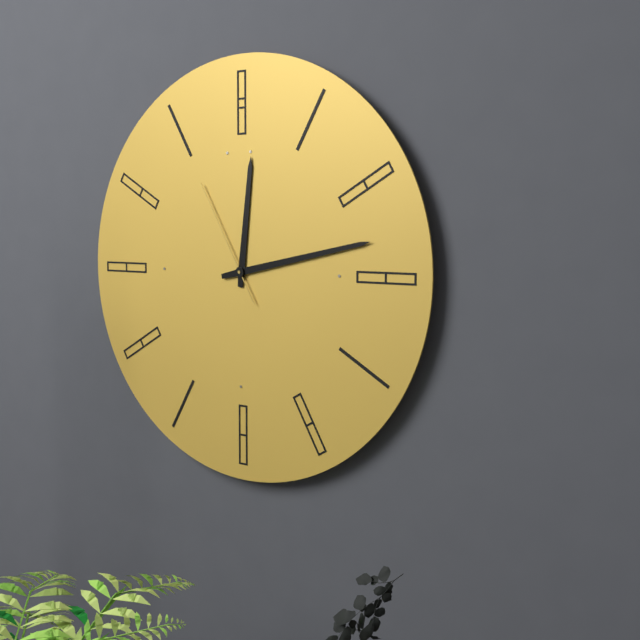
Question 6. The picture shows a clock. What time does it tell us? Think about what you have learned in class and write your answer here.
12:13:55
